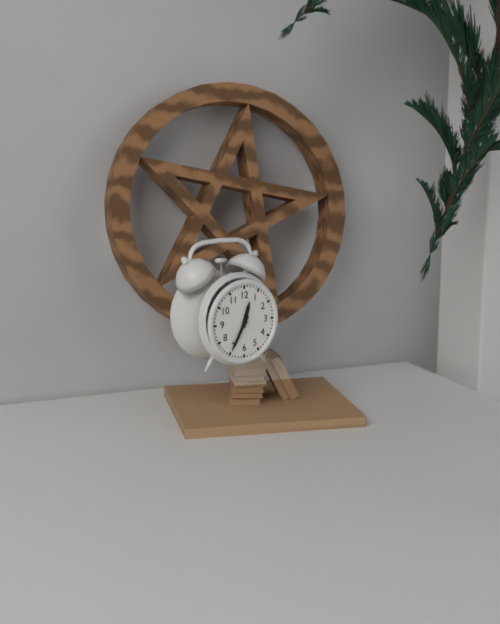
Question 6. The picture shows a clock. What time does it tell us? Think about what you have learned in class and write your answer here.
12:35
